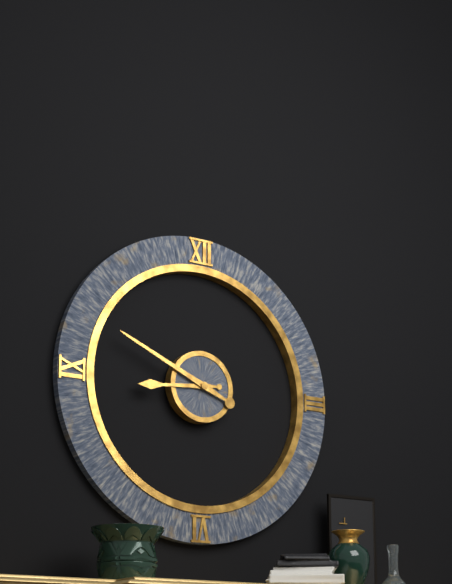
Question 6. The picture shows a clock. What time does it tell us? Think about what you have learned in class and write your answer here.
8:49
